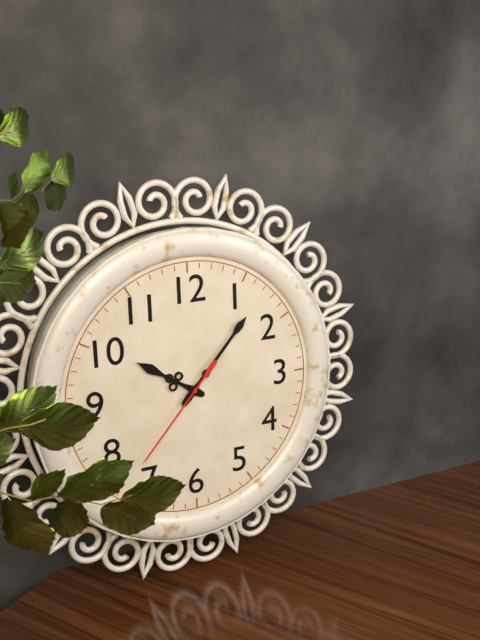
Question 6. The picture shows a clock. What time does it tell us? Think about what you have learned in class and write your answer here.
10:07:37
